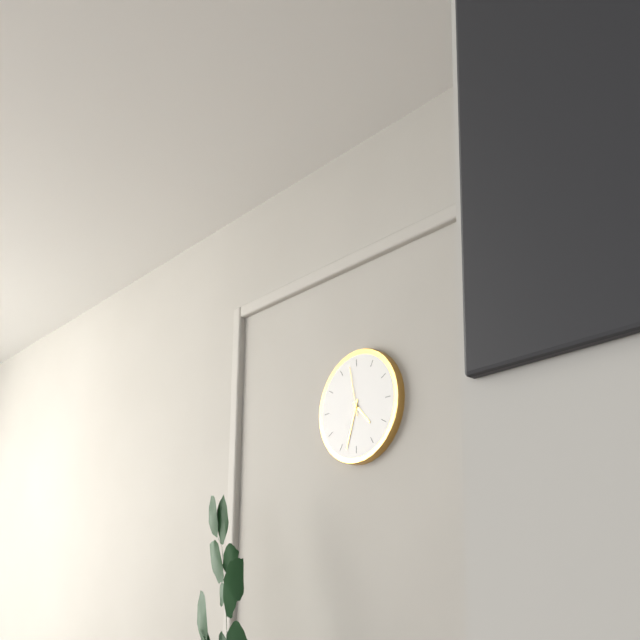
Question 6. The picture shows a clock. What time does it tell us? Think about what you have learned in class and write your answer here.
4:33
